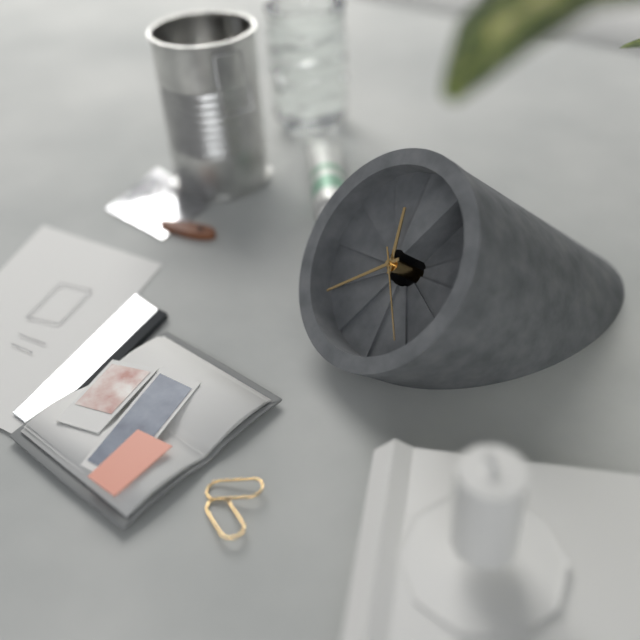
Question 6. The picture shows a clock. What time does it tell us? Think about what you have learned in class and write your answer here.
10:34:19
